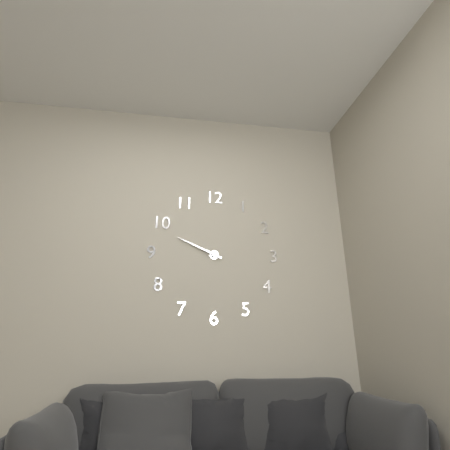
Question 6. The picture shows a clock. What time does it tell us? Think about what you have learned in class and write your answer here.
9:49
